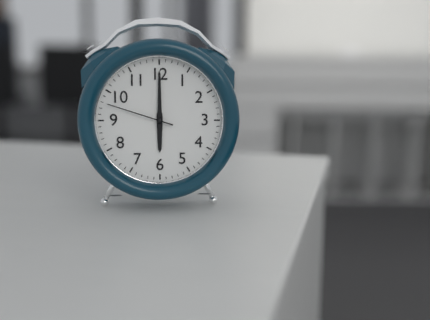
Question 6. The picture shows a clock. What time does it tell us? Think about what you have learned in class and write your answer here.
6:00:48
